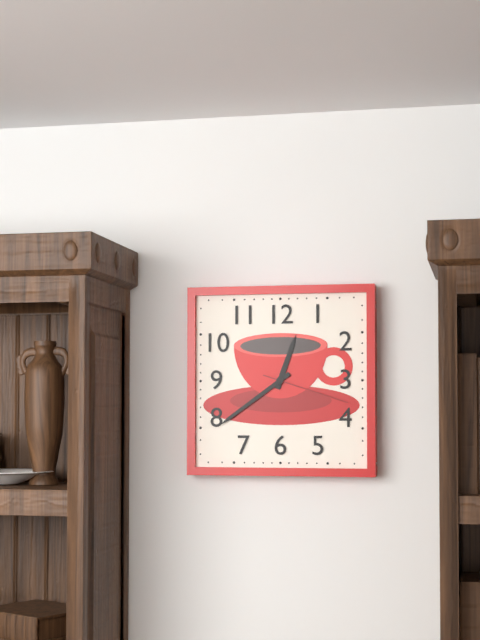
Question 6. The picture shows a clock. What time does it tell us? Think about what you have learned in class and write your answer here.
12:39:18
